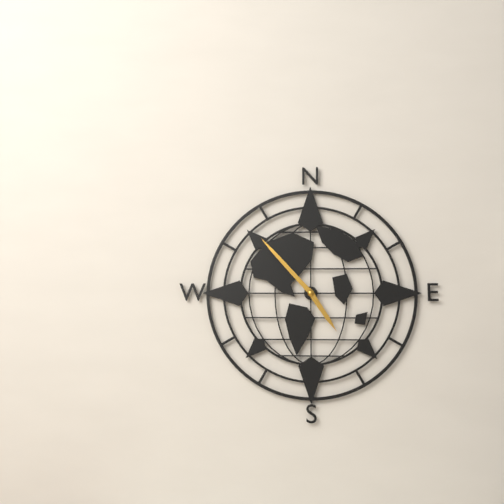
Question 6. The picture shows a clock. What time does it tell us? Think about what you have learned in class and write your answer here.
4:53
